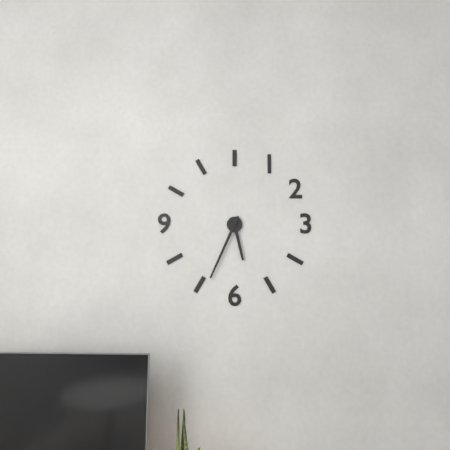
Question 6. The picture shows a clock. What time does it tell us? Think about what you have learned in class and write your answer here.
5:34
